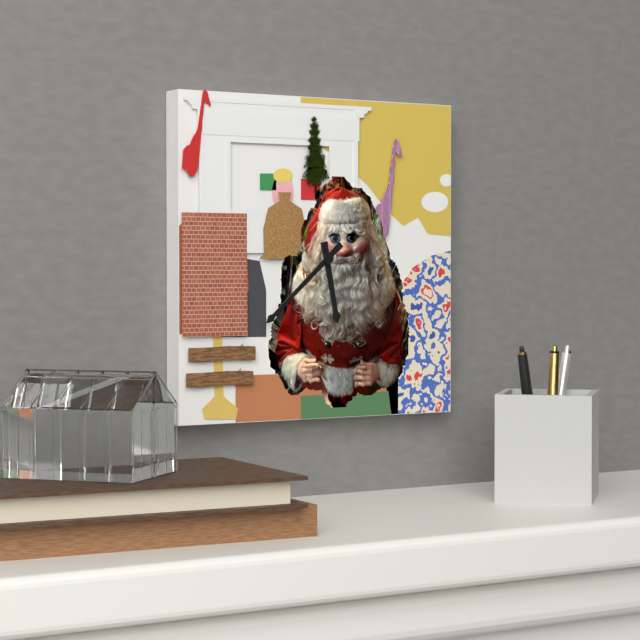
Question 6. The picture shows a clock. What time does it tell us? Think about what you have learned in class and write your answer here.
5:38
